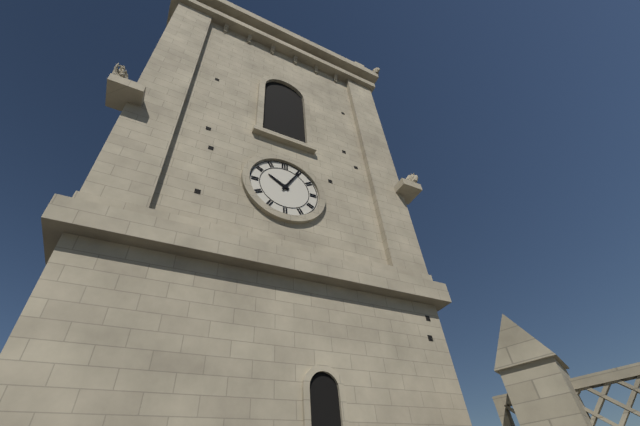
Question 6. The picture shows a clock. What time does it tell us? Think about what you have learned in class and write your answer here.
10:05
